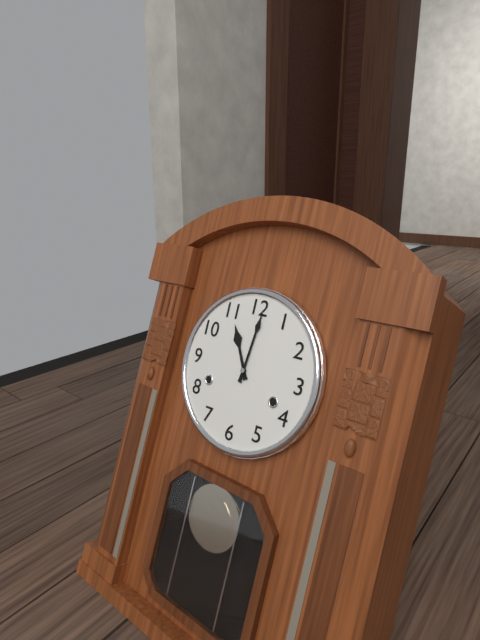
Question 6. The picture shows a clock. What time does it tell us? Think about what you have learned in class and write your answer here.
11:01
